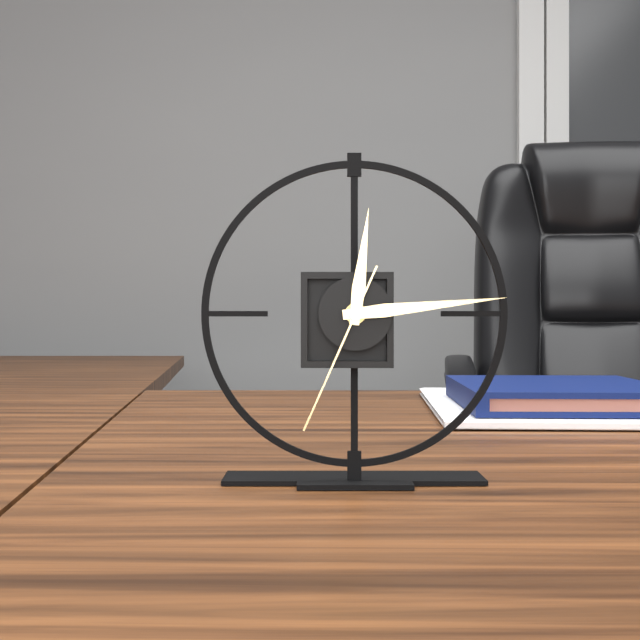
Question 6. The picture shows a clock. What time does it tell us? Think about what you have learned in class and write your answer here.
12:14:34
